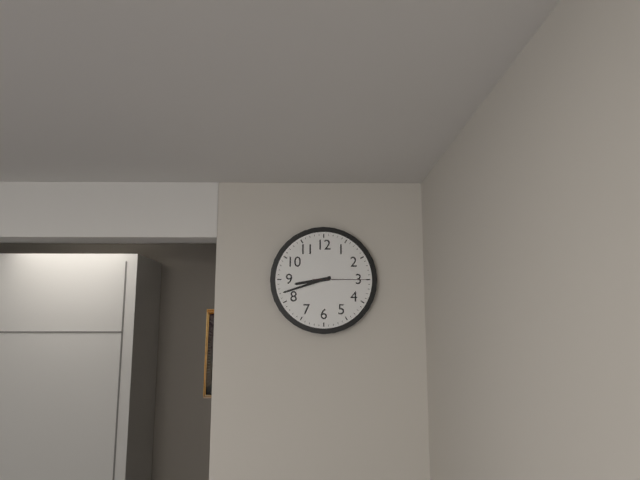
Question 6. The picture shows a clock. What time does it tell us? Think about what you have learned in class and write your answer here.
8:42:15
